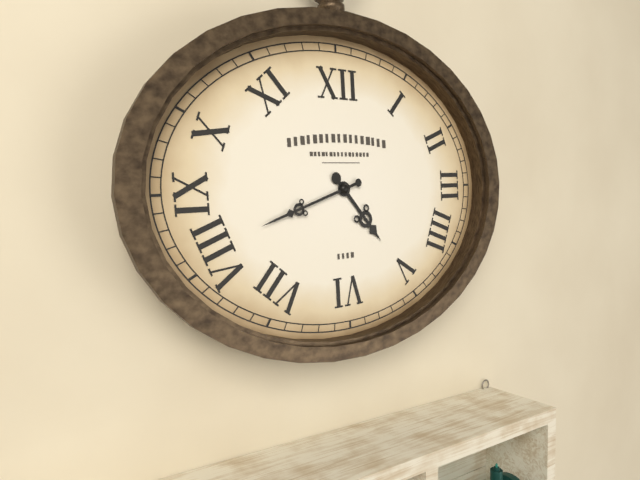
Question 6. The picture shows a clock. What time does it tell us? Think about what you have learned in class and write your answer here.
4:42
